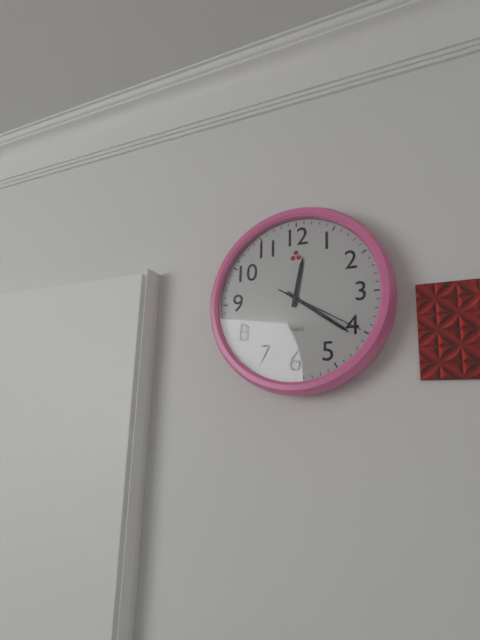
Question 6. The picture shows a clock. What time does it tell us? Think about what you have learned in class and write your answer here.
12:21:20
